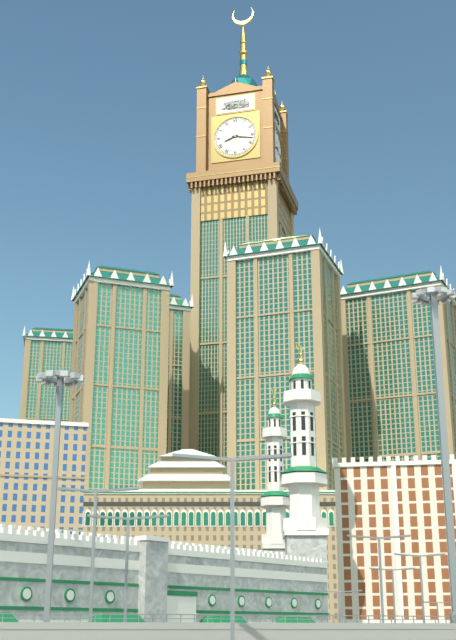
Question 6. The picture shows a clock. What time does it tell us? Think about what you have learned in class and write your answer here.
8:17
